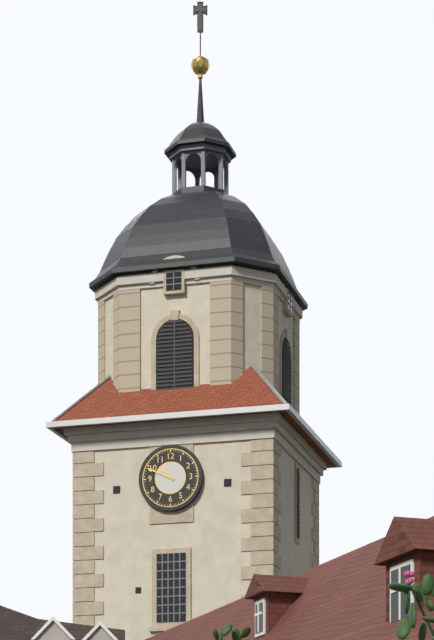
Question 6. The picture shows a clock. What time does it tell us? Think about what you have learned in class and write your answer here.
10:49
